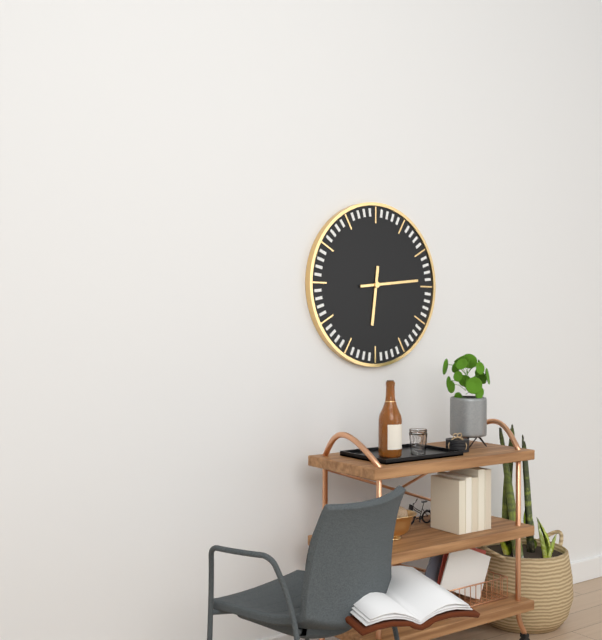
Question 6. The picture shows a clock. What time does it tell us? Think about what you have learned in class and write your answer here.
6:14
